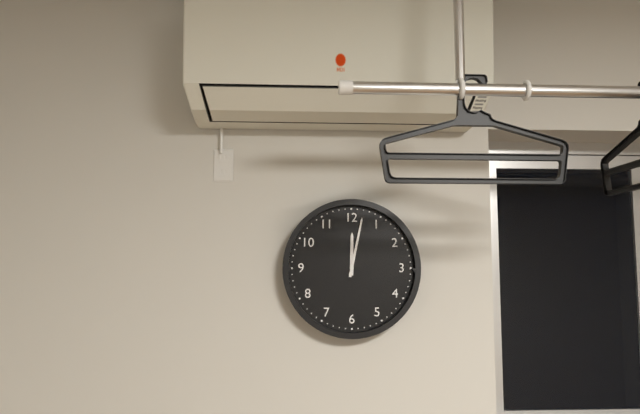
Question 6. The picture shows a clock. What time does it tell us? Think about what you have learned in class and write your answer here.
12:02
